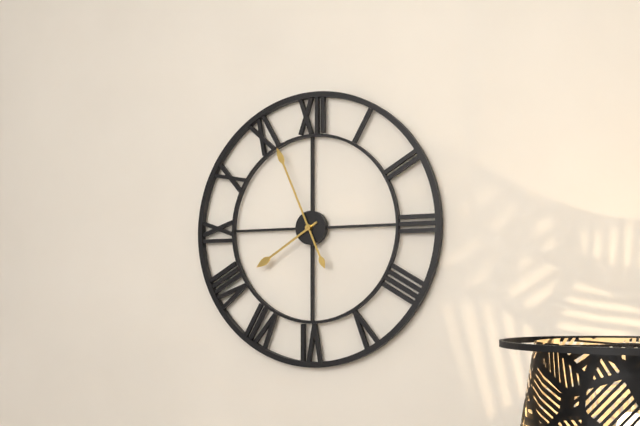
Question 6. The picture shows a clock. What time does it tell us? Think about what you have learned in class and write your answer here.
7:56
